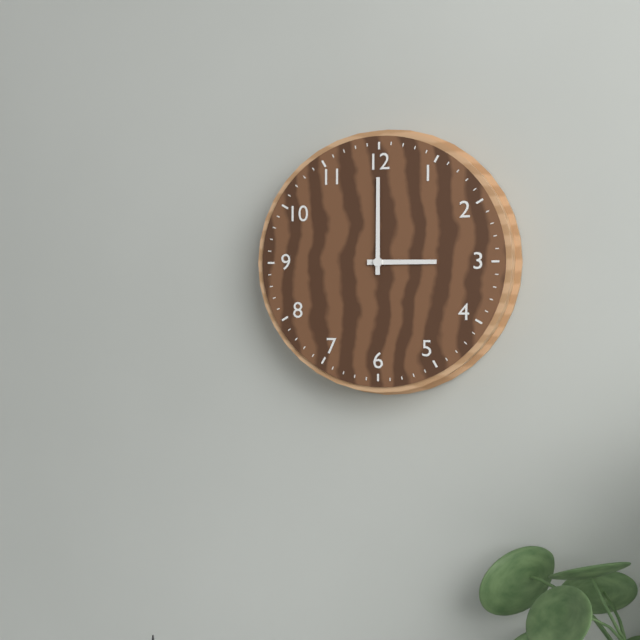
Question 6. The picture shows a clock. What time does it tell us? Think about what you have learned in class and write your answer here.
3:00
